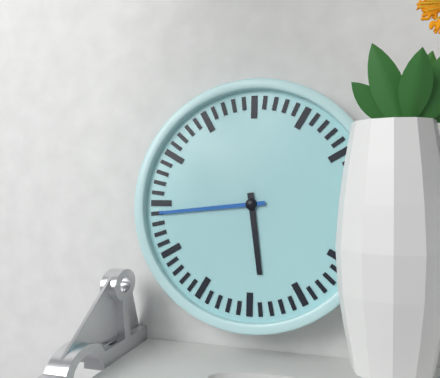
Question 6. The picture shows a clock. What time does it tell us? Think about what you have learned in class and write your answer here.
5:44
